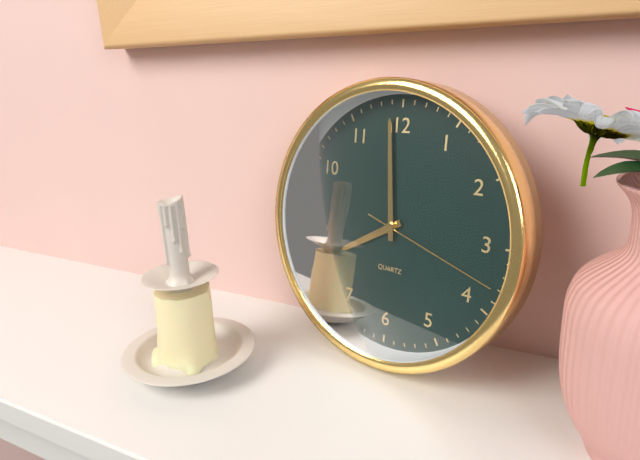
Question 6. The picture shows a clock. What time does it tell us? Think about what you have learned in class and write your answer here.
7:59:18
